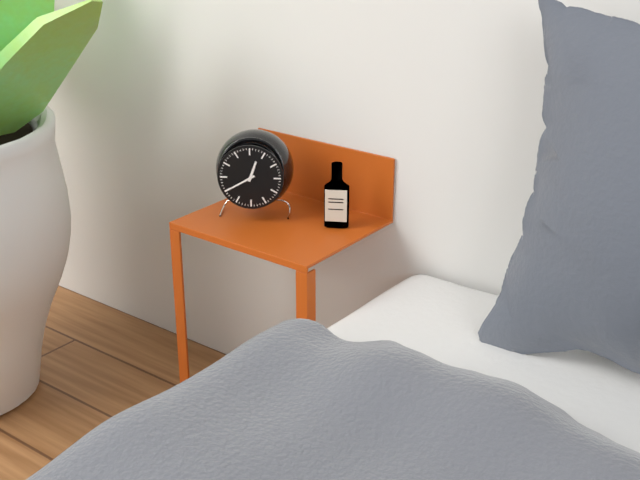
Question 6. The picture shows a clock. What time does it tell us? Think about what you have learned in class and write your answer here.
12:40
